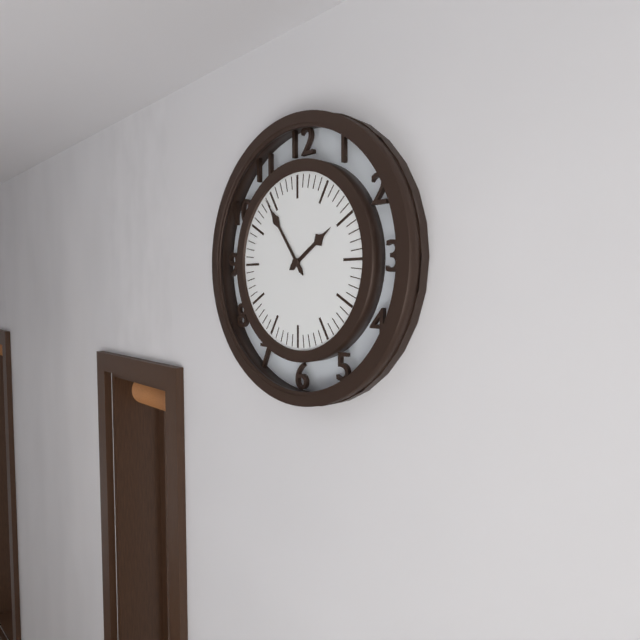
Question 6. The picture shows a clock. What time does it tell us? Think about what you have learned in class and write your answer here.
1:54
